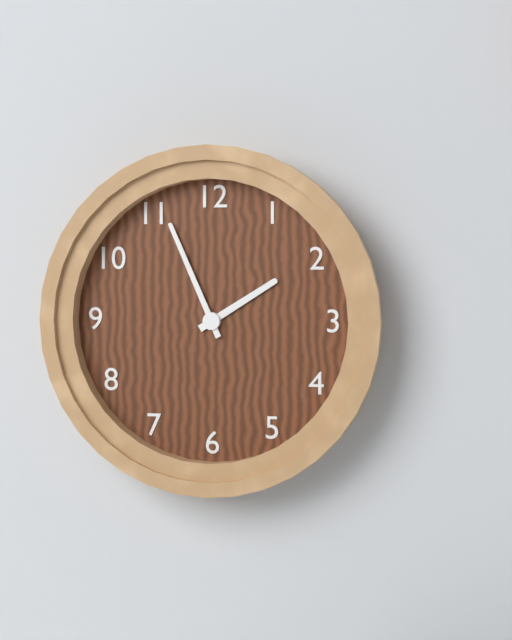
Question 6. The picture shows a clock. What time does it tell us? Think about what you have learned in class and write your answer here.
1:56
